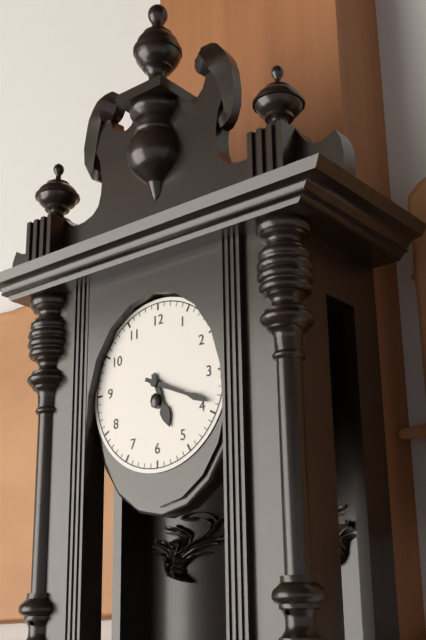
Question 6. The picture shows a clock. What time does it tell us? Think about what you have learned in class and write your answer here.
5:19
